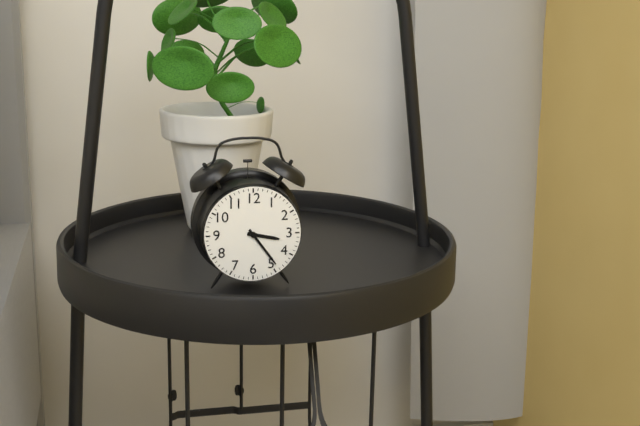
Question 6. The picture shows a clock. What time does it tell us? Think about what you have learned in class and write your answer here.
3:24
